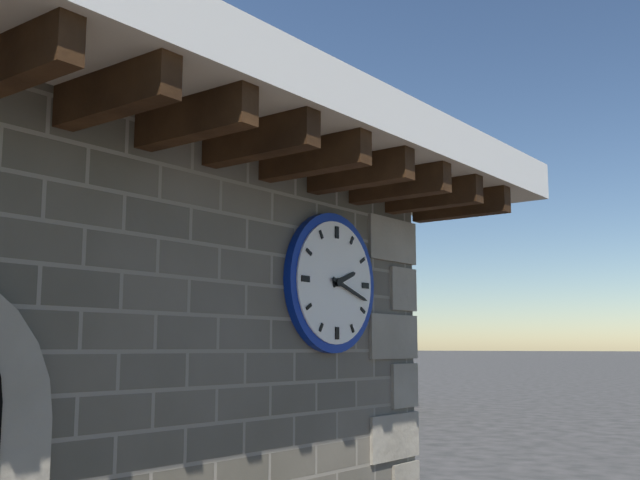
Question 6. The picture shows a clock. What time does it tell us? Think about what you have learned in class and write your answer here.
2:18
